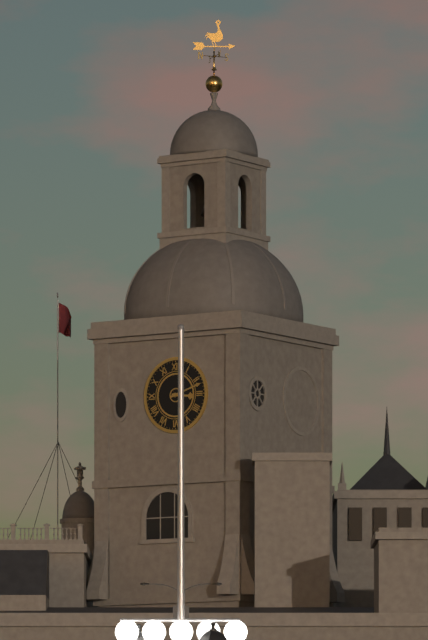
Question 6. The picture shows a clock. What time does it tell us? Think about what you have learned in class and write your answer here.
3:12
